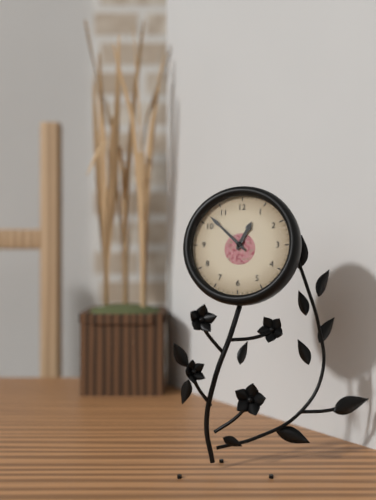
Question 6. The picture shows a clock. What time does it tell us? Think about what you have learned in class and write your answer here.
12:52
